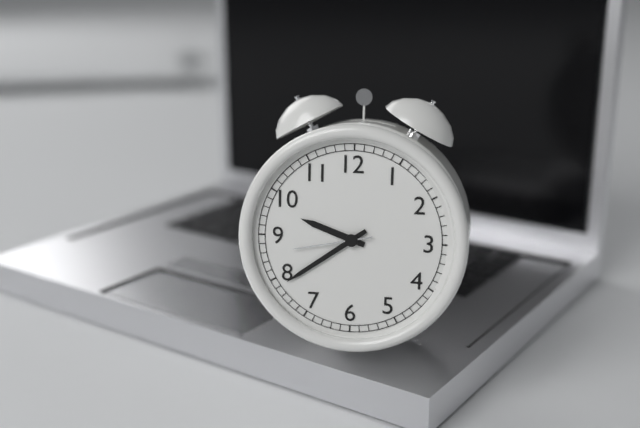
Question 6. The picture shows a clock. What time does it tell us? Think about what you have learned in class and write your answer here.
9:39:43
